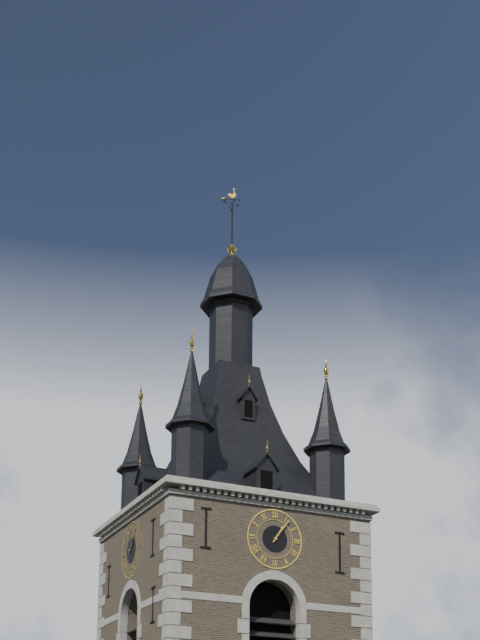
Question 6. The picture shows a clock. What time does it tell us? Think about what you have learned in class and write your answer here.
1:06
